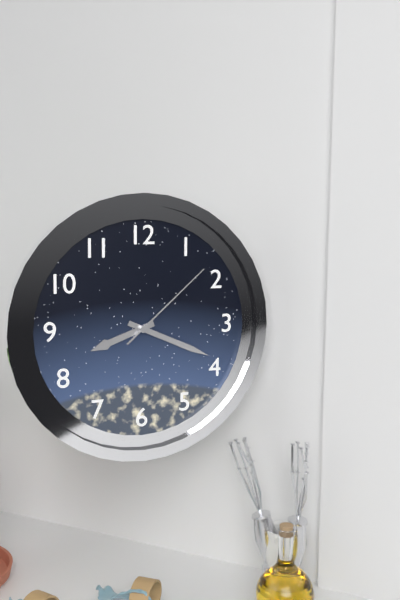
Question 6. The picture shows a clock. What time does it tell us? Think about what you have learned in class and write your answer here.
8:19:08
